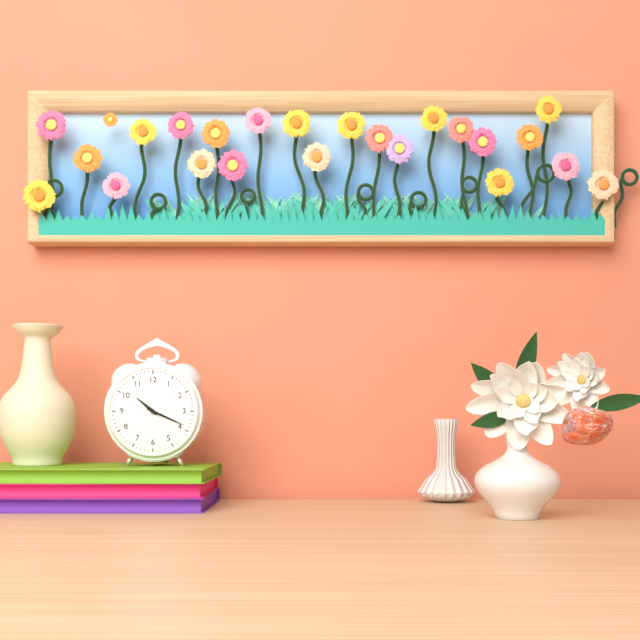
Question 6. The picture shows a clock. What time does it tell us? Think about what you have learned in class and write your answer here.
10:19
